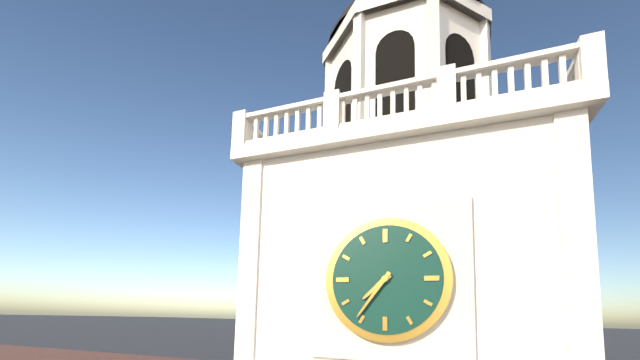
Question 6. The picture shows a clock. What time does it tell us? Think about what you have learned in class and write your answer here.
7:36
